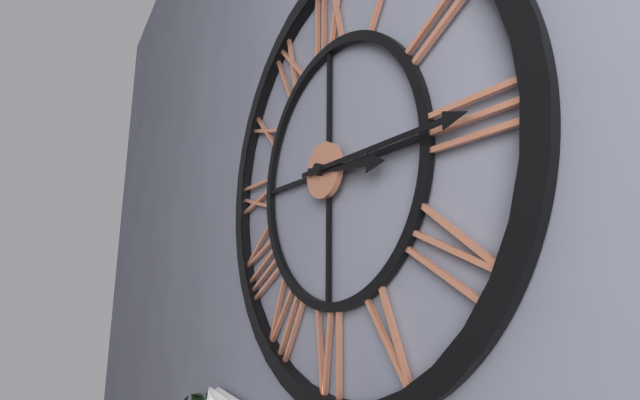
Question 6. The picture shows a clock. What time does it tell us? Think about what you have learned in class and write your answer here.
3:15
